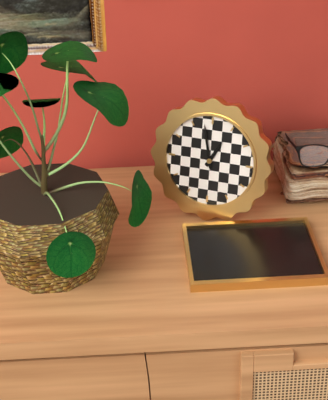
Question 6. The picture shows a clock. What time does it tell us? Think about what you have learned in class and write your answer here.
12:58
